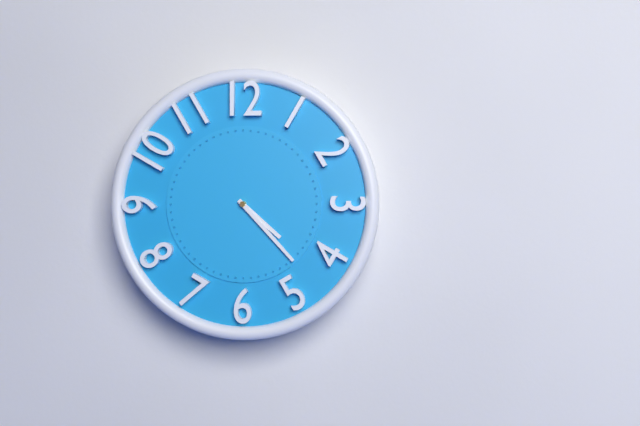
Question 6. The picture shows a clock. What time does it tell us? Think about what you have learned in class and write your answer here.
4:23
